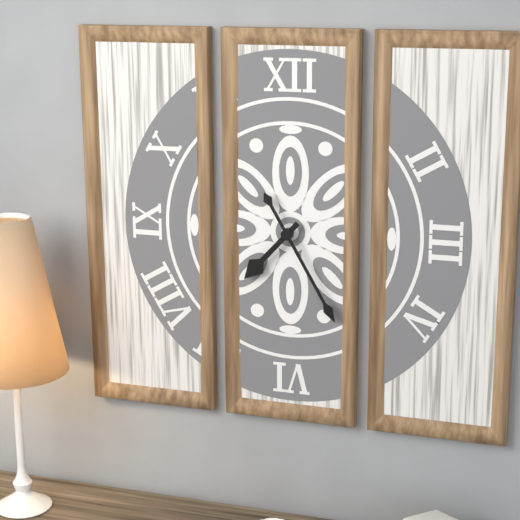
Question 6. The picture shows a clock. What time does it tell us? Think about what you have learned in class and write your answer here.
7:25
